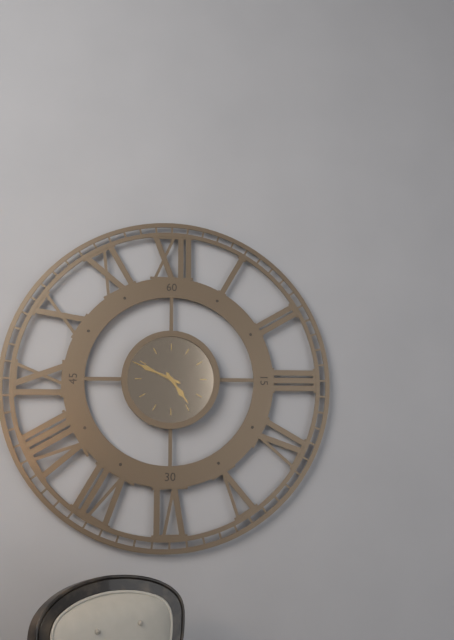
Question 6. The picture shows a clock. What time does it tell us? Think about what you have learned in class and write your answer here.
4:49
